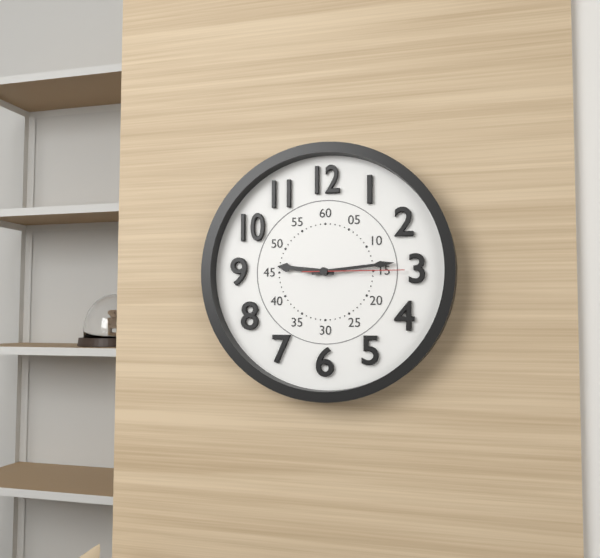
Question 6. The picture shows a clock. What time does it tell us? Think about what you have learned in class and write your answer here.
9:14:15
